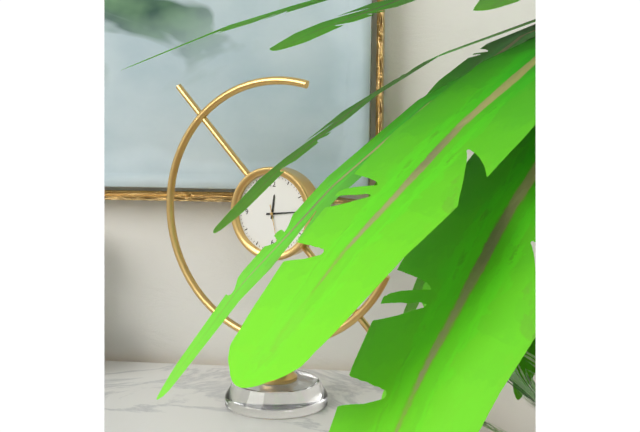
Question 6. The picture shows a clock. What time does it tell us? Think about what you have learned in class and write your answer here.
12:14
